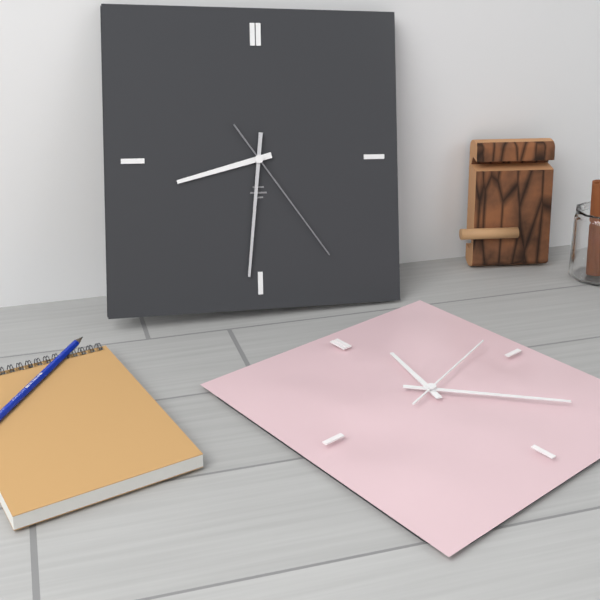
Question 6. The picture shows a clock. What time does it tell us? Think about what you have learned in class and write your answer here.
8:31:24
